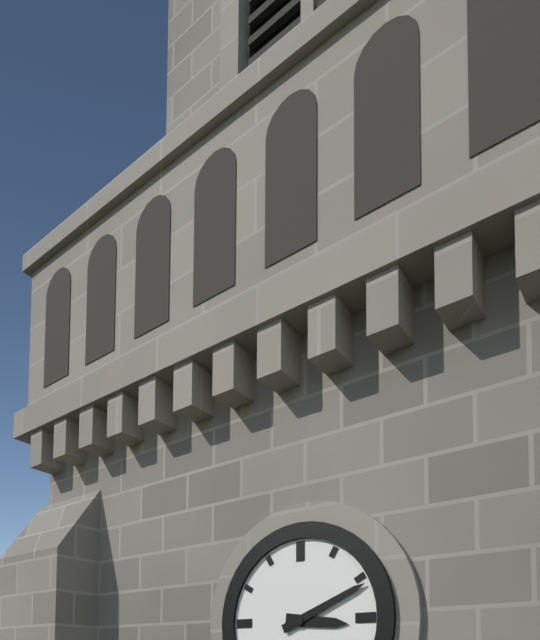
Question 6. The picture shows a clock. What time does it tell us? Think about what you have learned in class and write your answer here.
3:11
